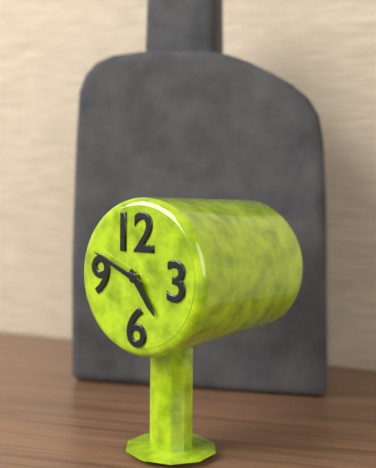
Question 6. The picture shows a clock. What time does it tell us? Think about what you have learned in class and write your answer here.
4:49
